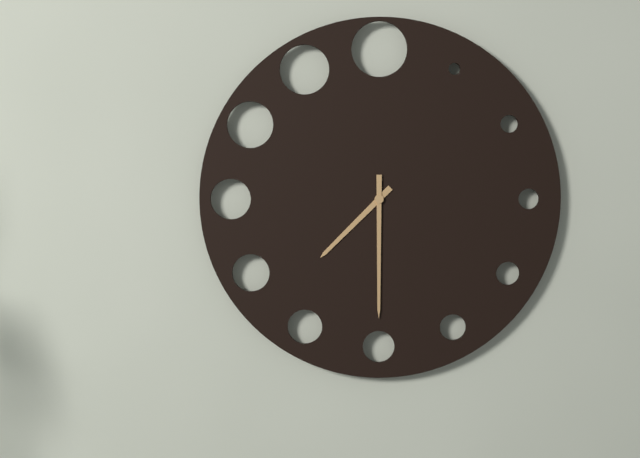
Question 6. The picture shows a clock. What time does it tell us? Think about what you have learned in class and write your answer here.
7:30
